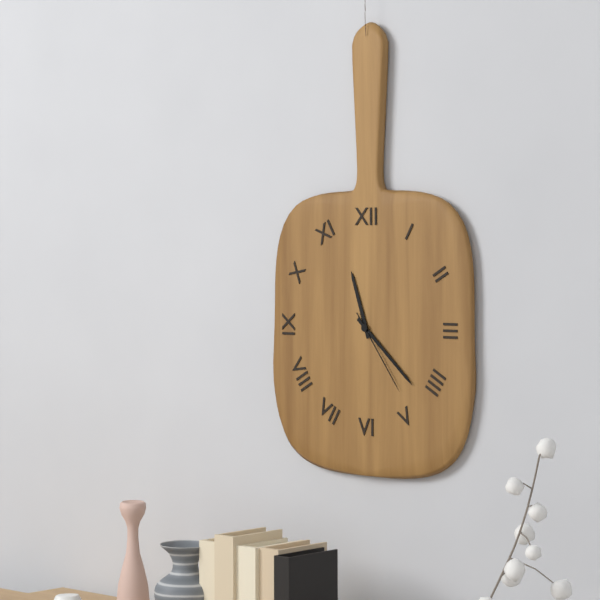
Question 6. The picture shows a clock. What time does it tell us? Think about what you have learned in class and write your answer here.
11:22:24
